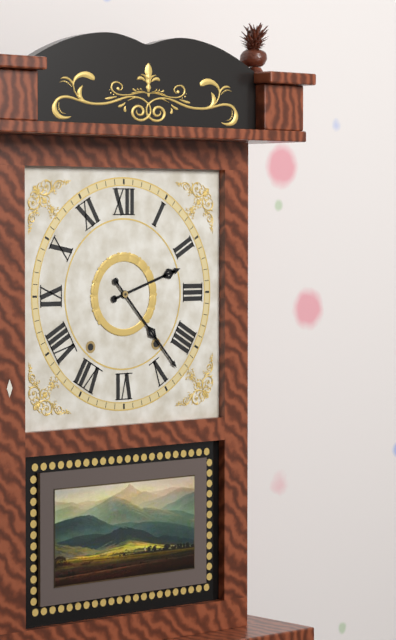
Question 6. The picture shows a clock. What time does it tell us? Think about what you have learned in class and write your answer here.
2:23
